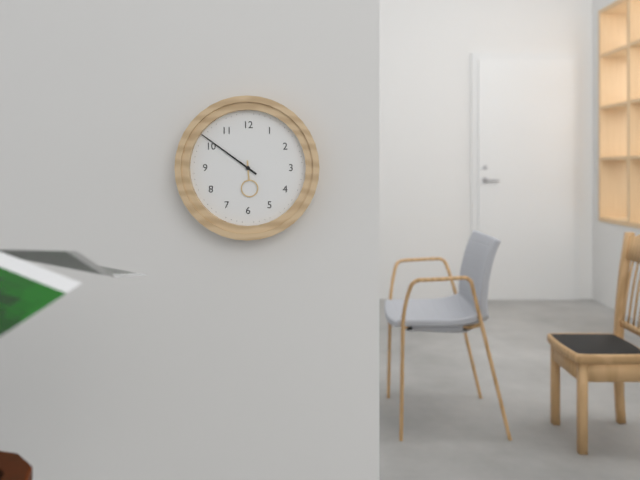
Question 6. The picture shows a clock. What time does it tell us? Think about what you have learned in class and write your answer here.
5:51
